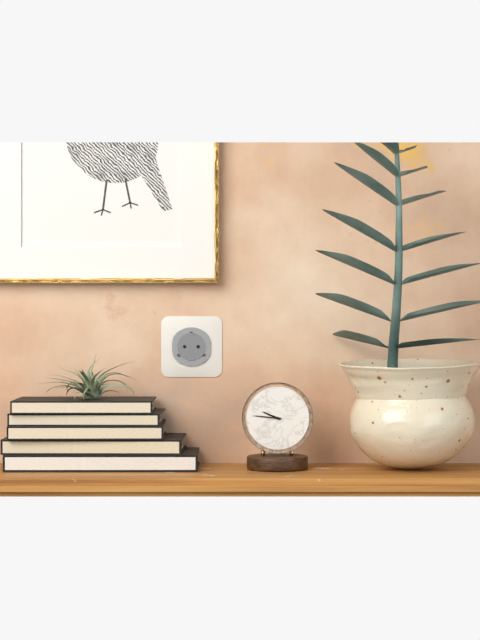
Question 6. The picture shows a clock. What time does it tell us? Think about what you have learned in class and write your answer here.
9:46
